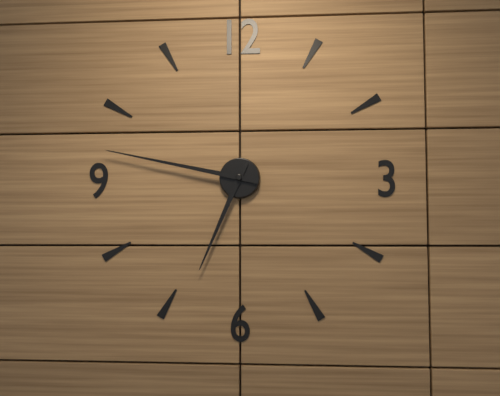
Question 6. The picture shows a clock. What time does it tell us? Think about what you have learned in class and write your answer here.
6:47
